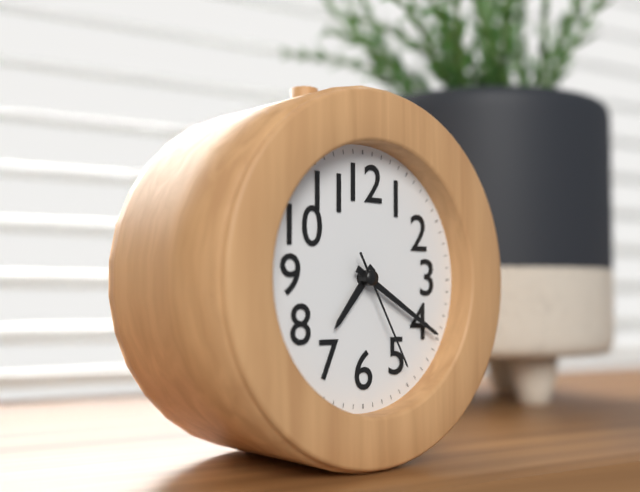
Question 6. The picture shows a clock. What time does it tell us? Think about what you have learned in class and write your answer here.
7:20:25
